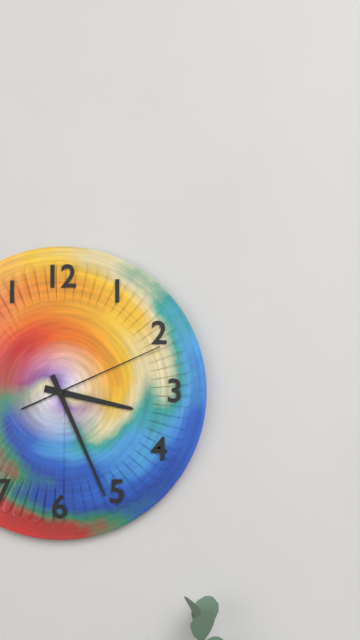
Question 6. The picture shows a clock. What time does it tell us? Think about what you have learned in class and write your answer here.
3:26:11
